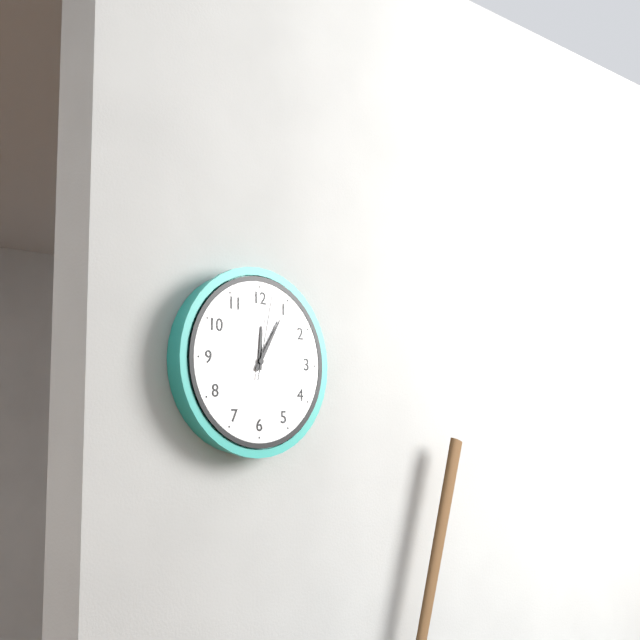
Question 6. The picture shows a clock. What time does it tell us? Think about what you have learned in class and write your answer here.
12:05:02
